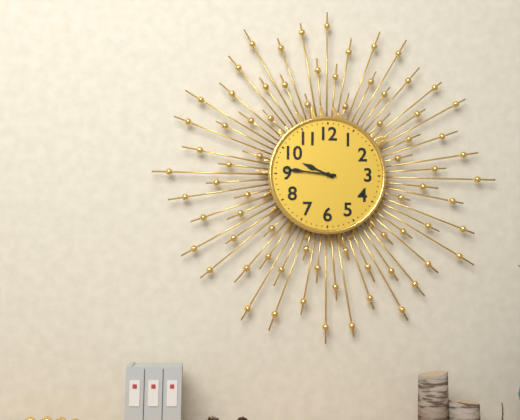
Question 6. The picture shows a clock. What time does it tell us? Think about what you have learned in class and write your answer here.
9:46
